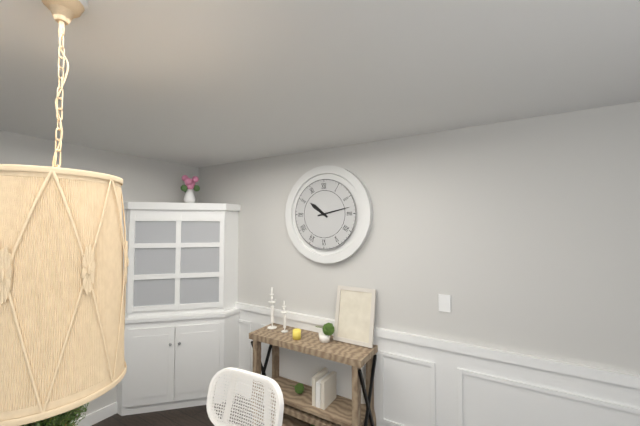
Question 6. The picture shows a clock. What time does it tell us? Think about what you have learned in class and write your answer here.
10:13
